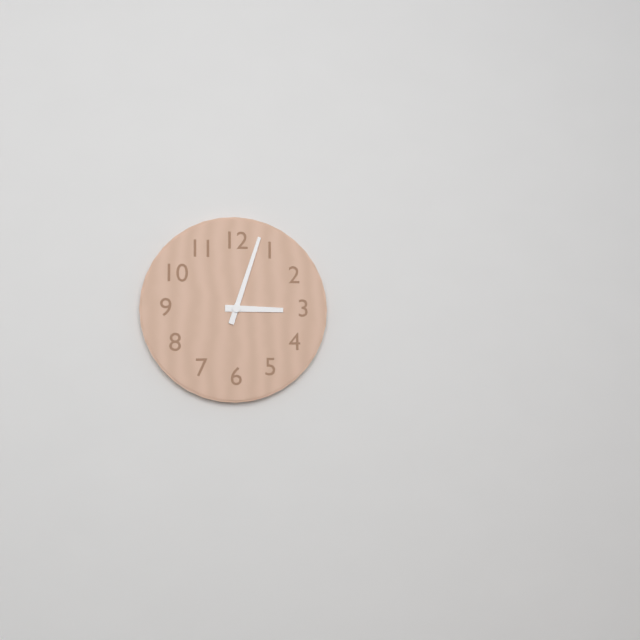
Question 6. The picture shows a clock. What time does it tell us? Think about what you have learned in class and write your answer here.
3:03
